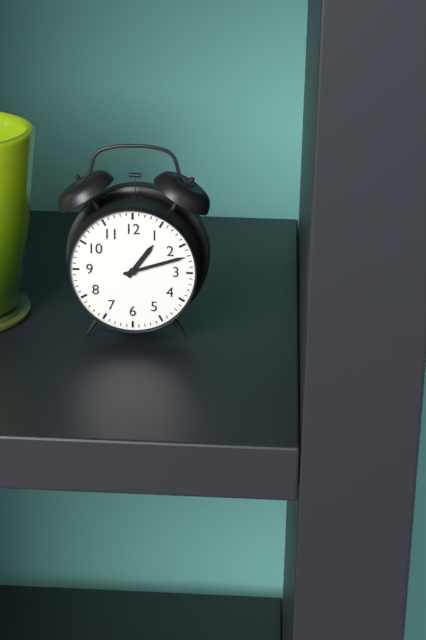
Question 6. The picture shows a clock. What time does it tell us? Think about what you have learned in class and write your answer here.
1:12
